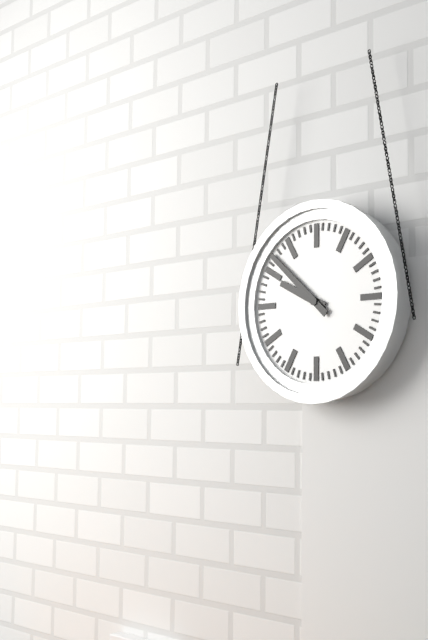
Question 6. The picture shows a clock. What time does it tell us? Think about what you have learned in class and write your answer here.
9:52
